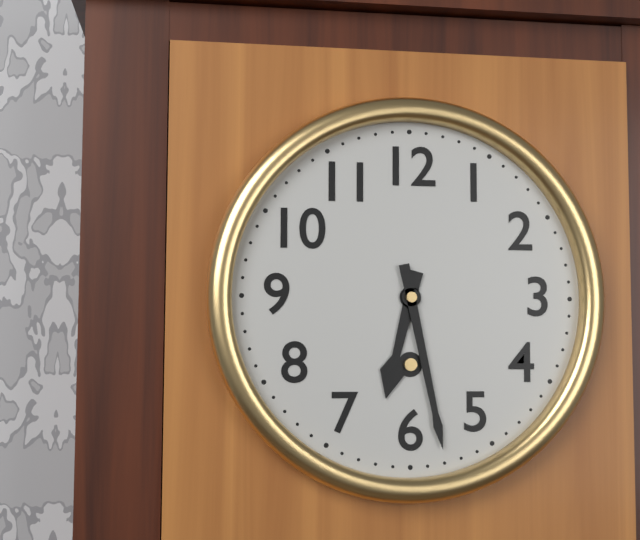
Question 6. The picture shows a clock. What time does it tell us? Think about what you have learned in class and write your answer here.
6:28
